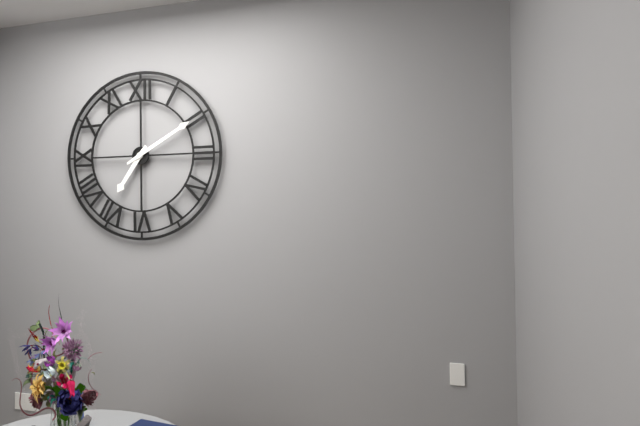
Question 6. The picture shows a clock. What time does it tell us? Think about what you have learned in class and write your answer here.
7:10
